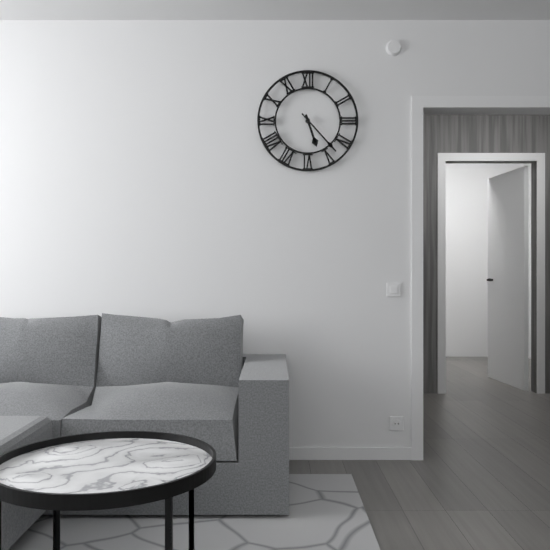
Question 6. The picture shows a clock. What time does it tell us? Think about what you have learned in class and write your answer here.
5:23
